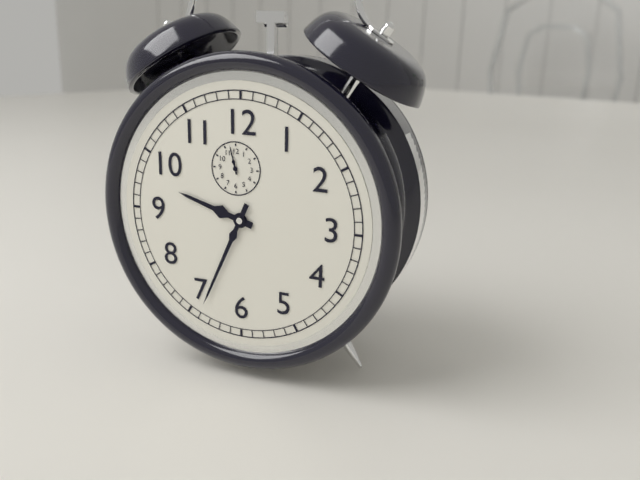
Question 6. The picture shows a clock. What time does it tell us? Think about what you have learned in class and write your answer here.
9:34
